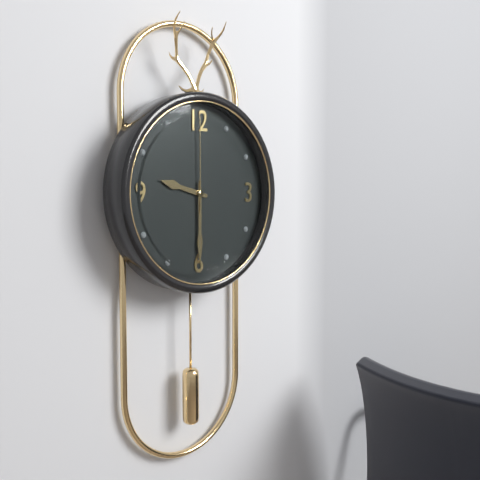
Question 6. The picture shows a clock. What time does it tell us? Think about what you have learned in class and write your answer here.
9:30:00
